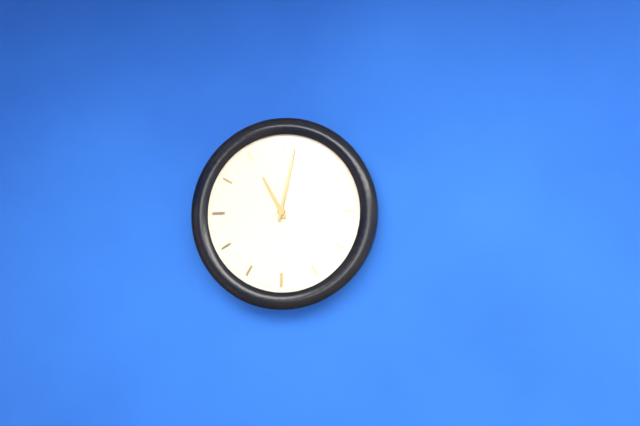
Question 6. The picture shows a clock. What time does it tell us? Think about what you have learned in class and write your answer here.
11:02
